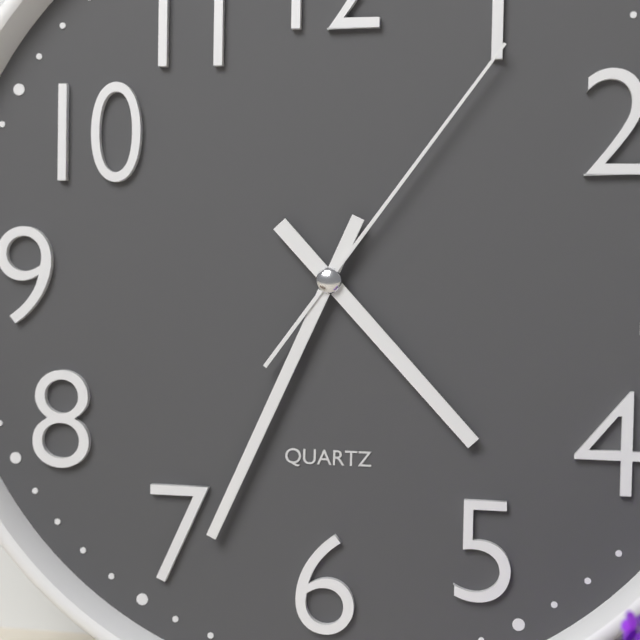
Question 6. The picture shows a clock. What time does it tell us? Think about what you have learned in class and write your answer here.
4:34:06
